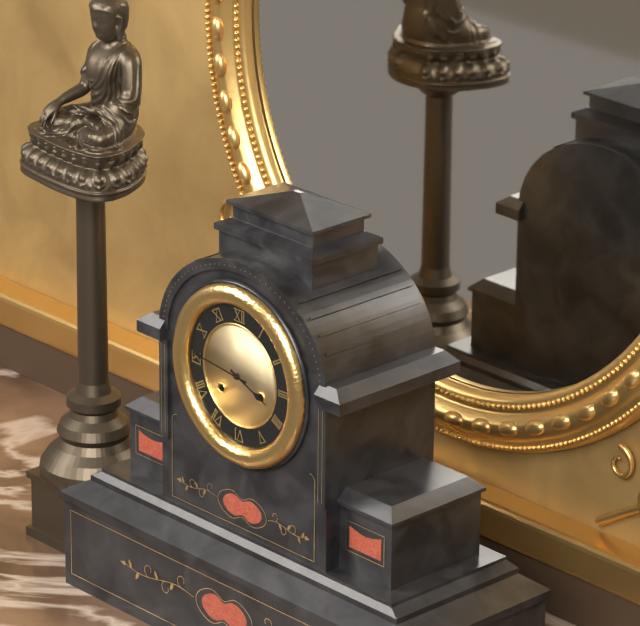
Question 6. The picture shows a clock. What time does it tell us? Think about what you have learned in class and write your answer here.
3:46
